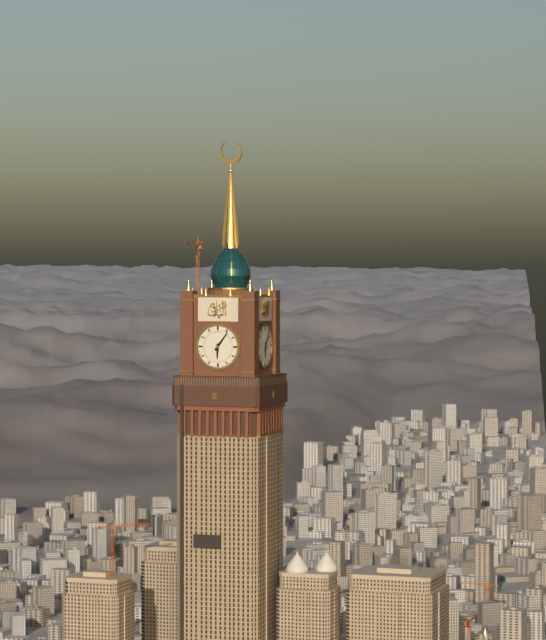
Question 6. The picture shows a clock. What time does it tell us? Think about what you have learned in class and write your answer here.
6:06
